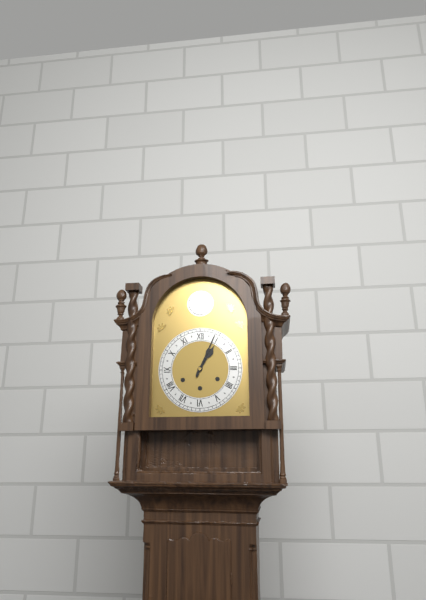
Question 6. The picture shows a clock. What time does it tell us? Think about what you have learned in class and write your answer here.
1:04
